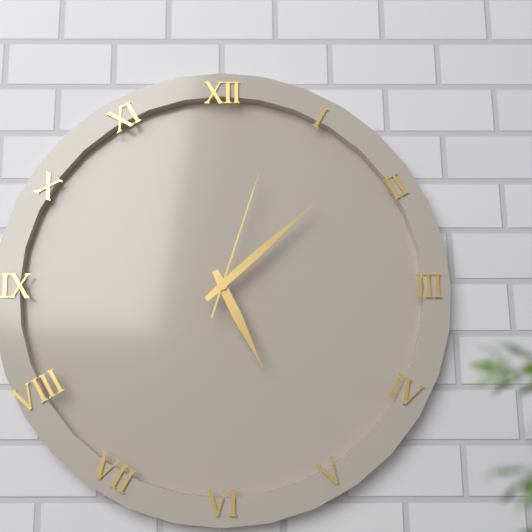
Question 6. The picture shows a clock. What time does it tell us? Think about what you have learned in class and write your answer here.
5:08:03
